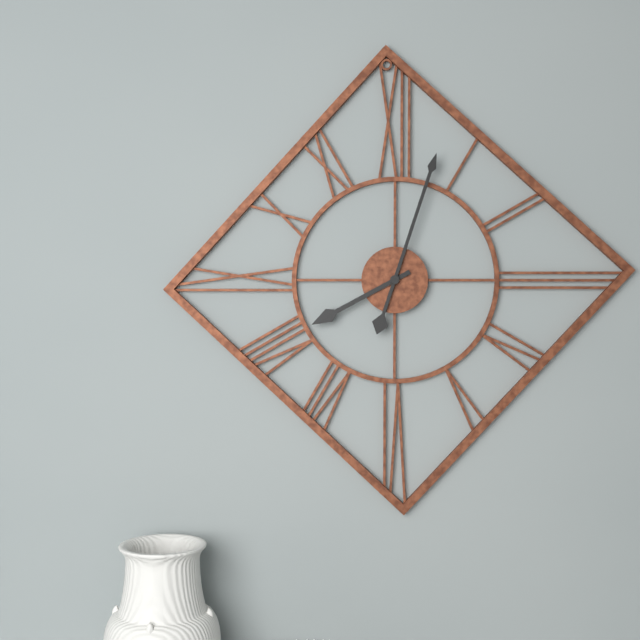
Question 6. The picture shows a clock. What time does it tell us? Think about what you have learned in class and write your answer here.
8:03
